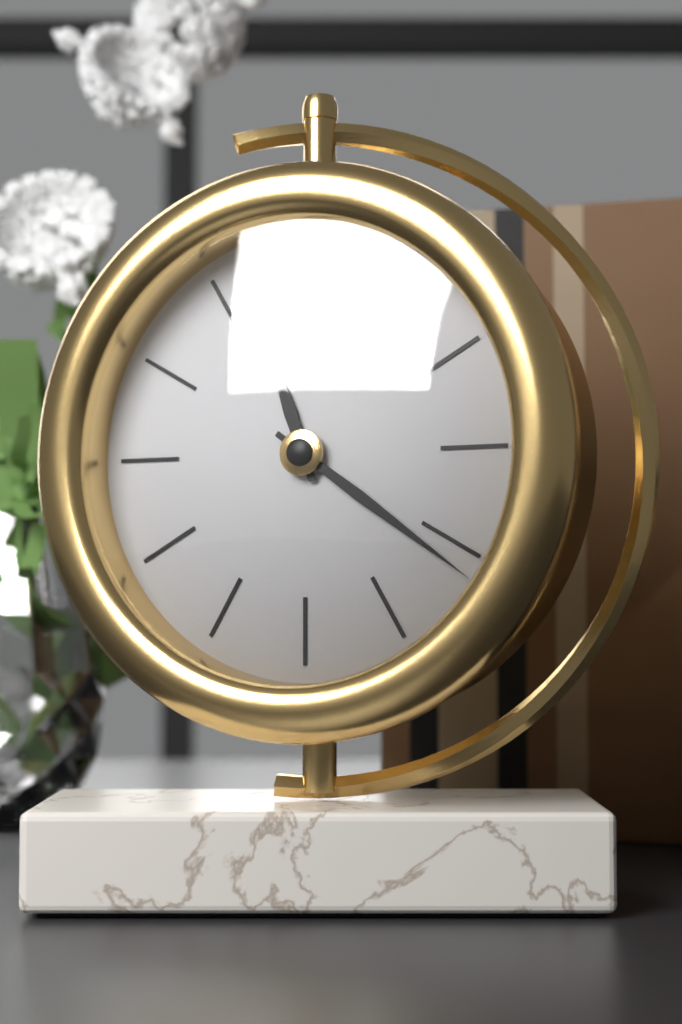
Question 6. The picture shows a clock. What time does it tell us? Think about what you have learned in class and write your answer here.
11:21
